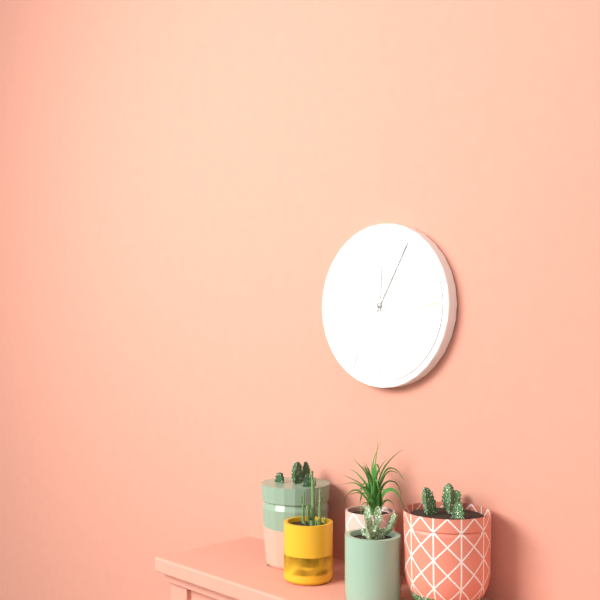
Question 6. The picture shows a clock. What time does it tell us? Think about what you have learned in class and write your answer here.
12:05
